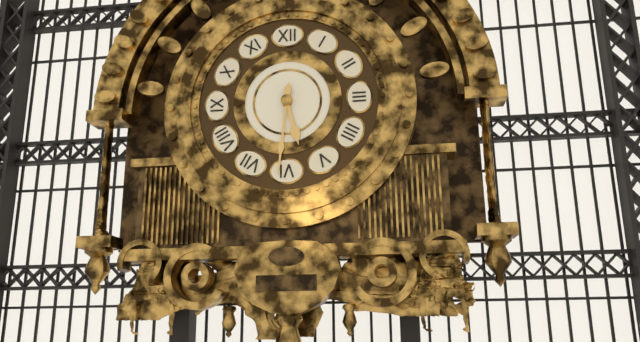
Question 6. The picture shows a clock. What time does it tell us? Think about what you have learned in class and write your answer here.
5:31
